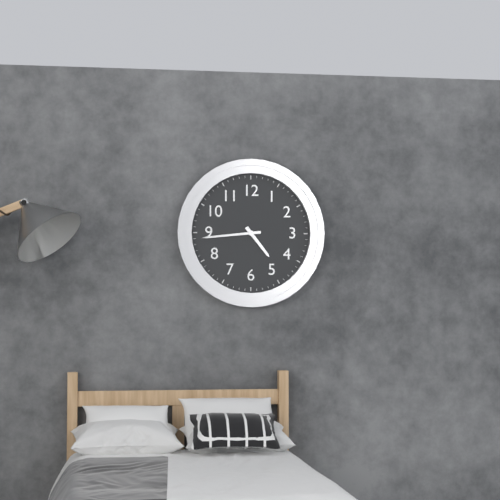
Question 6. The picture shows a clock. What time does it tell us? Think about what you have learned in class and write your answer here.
4:44
